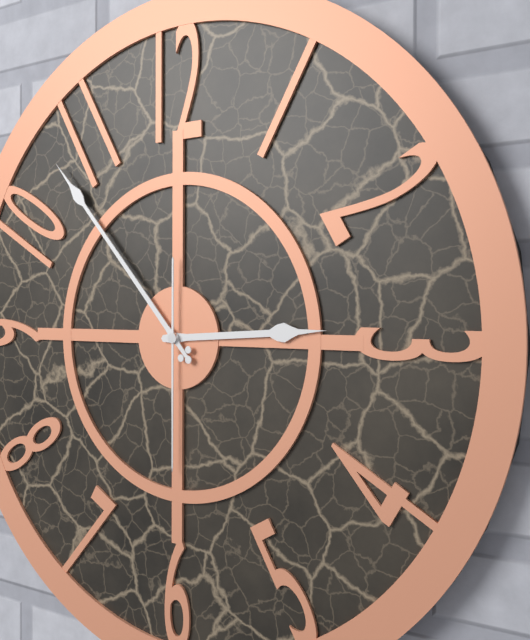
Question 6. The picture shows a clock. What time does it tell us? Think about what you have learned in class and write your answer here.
2:53:30
